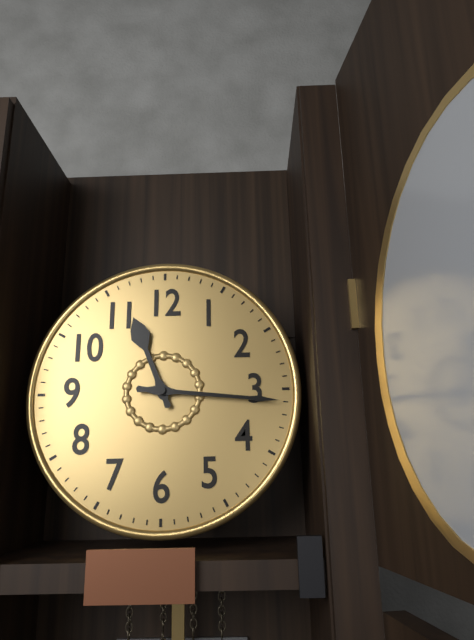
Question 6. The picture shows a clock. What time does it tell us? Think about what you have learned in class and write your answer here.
11:16
